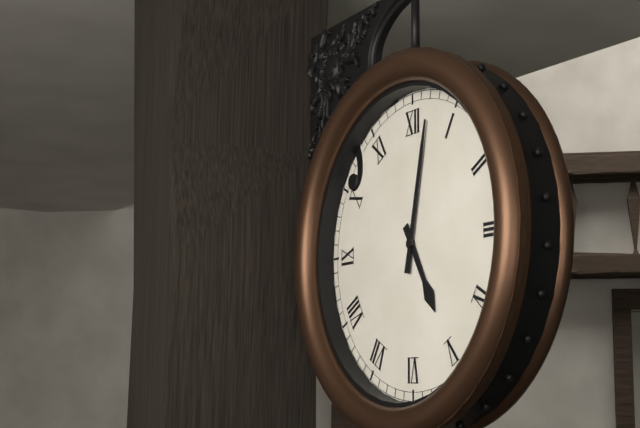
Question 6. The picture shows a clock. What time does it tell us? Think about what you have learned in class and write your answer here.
5:02
